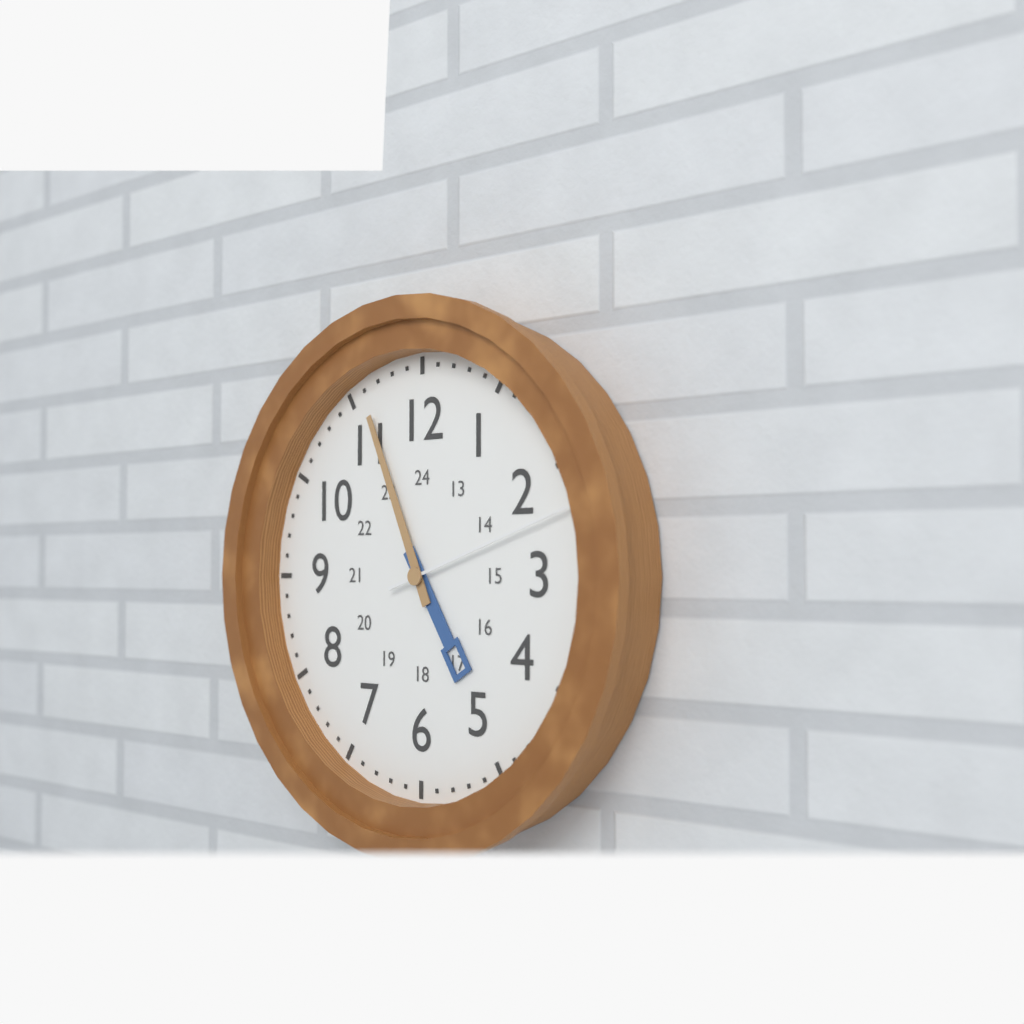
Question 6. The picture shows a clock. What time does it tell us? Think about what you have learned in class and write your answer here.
4:56:12
